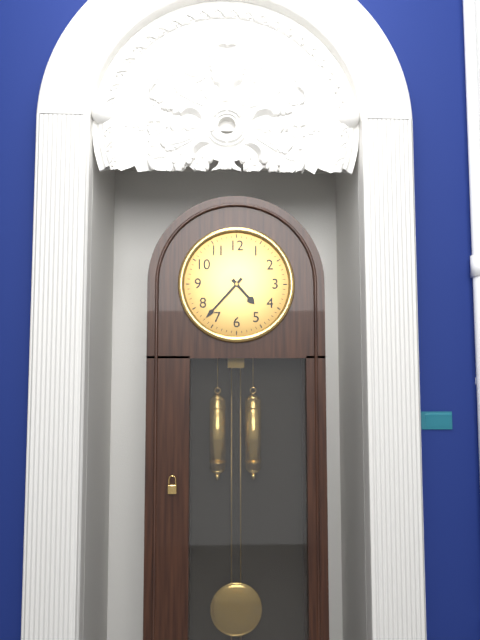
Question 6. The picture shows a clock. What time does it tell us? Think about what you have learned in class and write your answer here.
4:37
